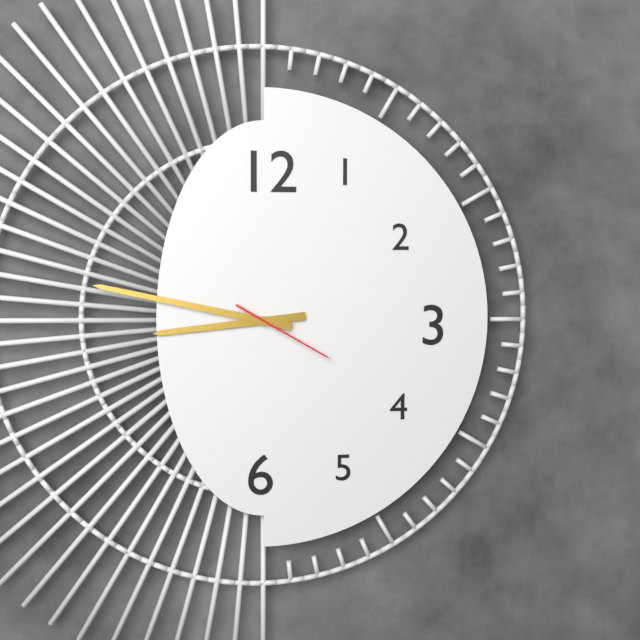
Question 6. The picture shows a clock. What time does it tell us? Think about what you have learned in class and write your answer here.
8:47:20
